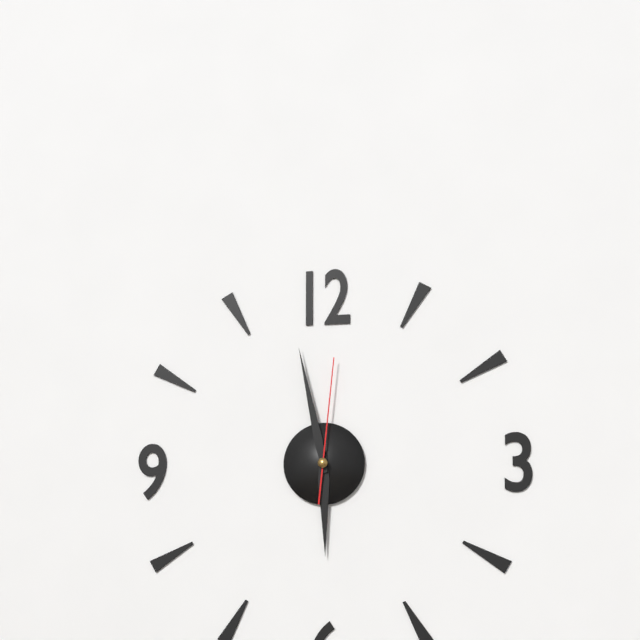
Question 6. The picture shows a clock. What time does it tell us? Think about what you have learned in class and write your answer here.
5:58:01
